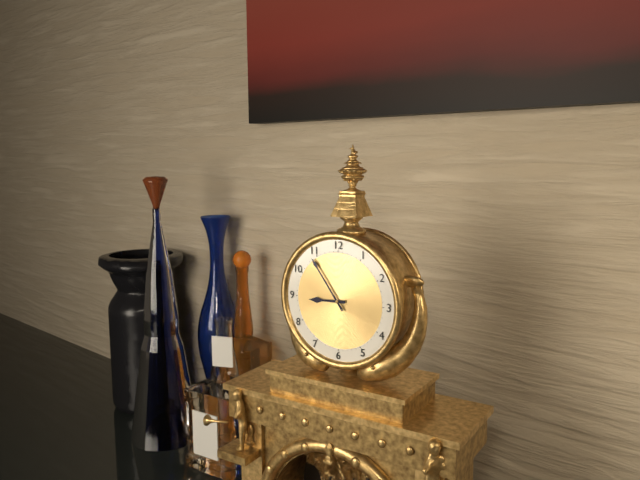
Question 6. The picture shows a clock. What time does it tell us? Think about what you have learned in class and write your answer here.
8:54
